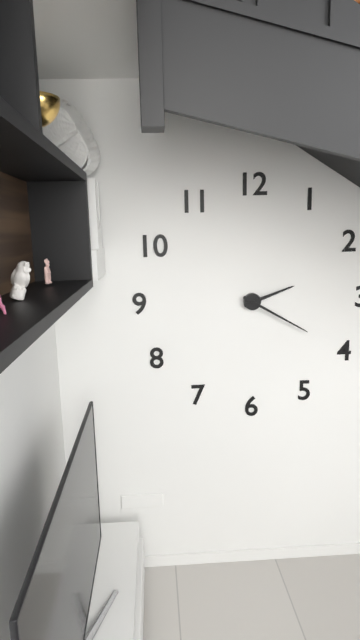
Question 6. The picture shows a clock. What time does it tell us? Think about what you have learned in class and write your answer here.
2:20
